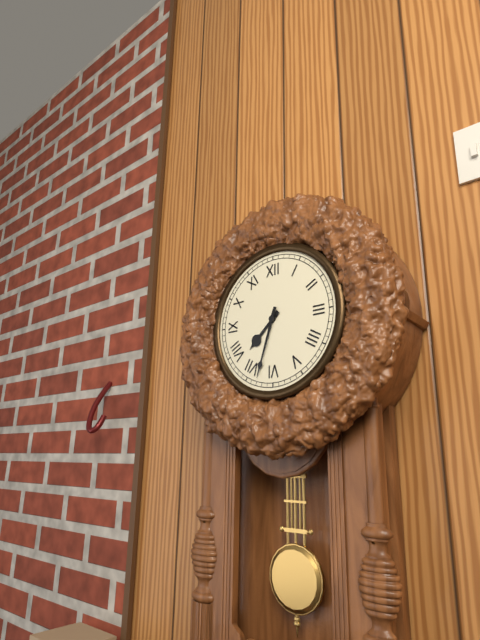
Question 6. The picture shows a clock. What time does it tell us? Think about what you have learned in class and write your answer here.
7:33
